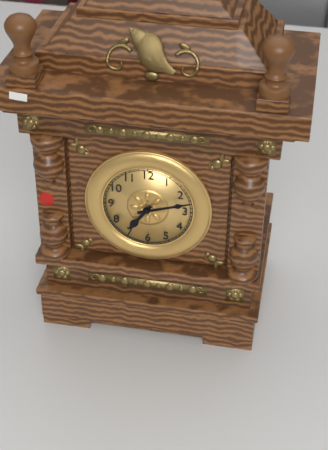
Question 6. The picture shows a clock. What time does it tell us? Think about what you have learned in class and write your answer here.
7:12
